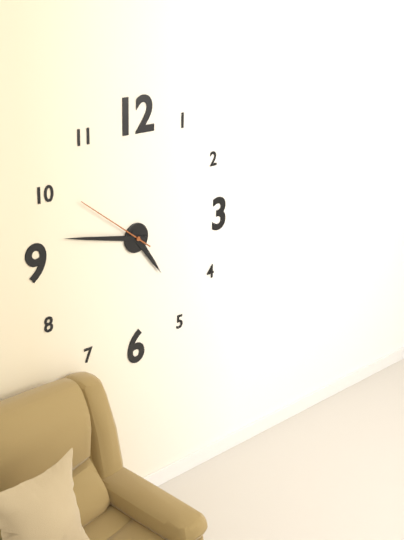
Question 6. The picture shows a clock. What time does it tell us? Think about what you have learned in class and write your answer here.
4:47:51
